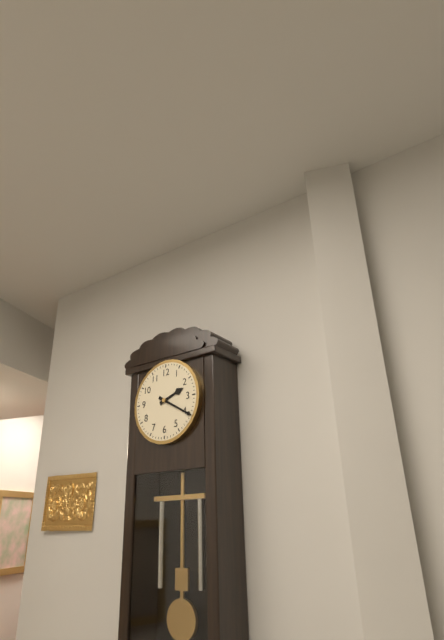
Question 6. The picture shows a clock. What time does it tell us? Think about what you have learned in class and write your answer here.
2:20
